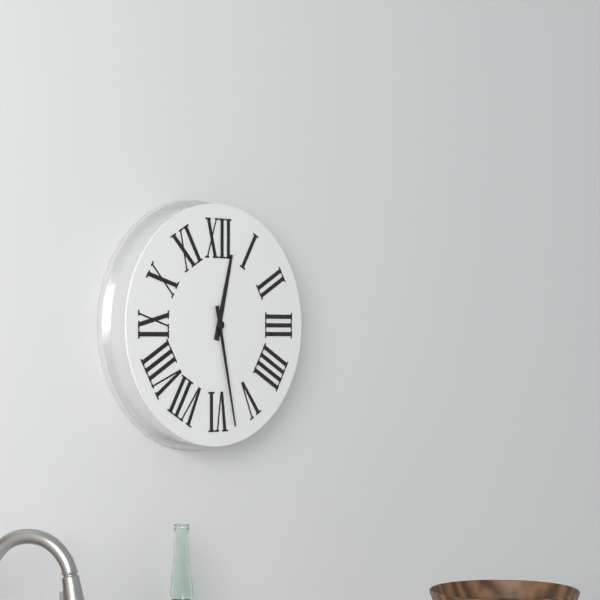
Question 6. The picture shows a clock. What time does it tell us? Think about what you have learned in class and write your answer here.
12:28
